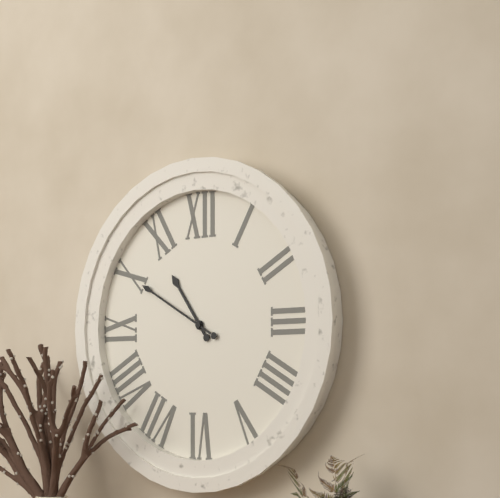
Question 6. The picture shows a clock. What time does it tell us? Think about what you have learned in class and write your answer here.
10:50
